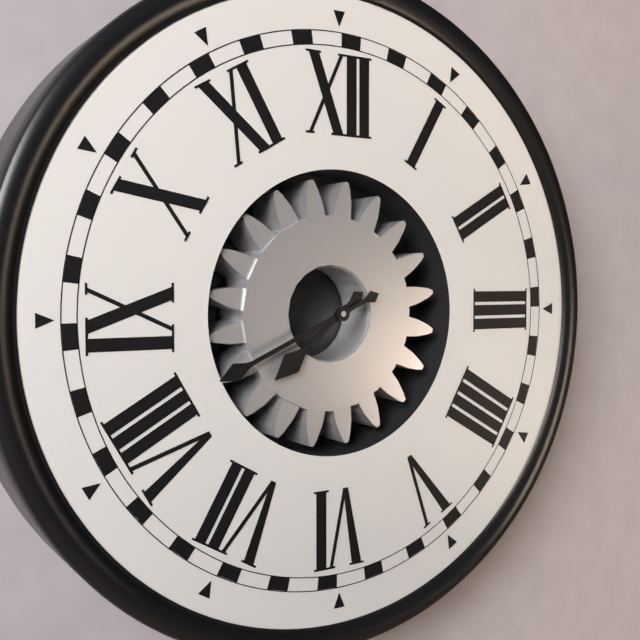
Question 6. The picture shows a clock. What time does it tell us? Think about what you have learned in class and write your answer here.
7:41
